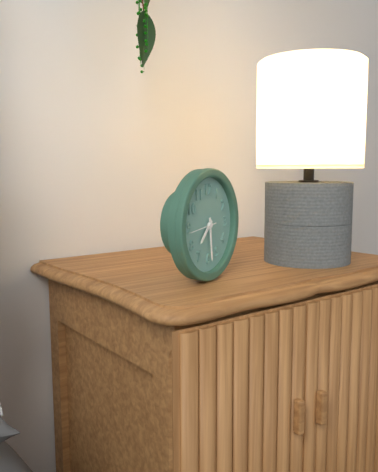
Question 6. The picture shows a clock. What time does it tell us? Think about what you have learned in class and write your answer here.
7:29
